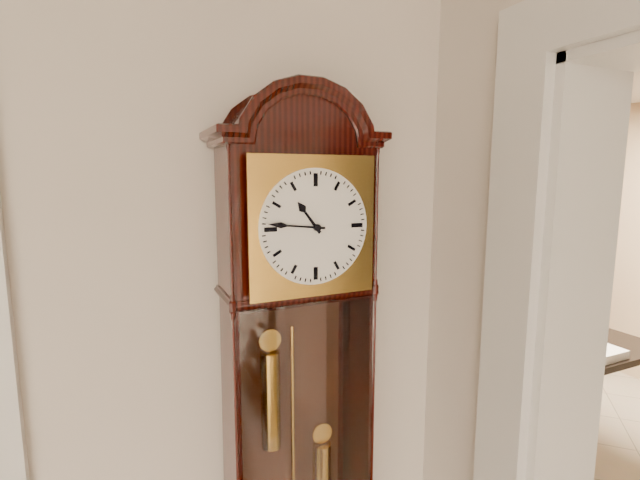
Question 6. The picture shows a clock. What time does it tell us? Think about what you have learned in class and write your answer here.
10:46
